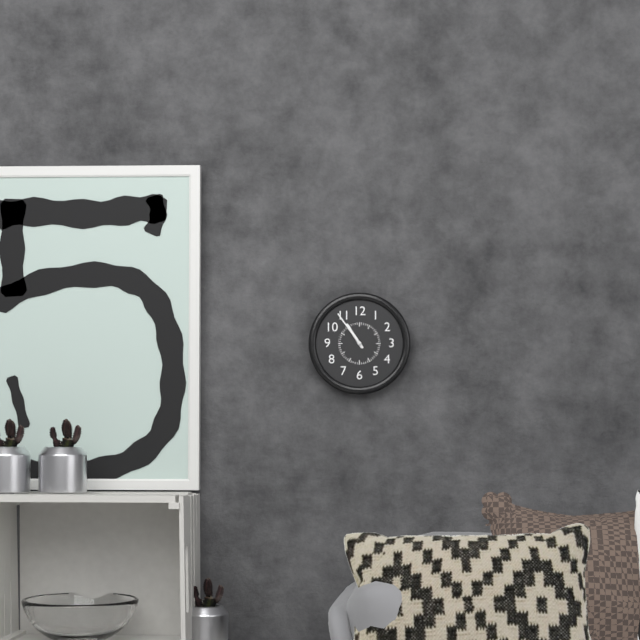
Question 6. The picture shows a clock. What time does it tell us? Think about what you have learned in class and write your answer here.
10:54
